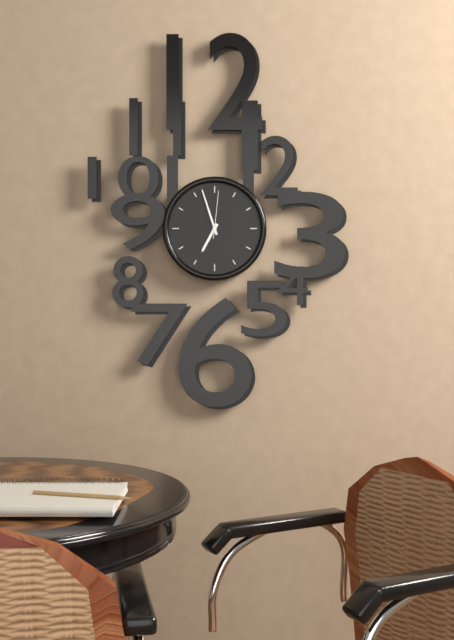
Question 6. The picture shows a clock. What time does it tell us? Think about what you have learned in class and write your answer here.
6:57:01
